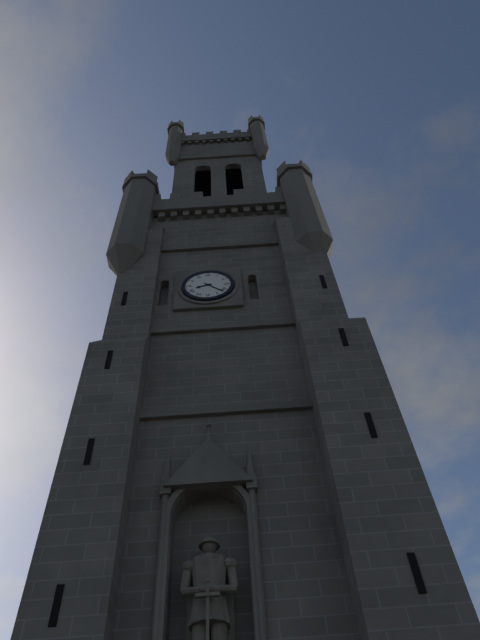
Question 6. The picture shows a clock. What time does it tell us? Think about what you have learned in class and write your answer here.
8:22
